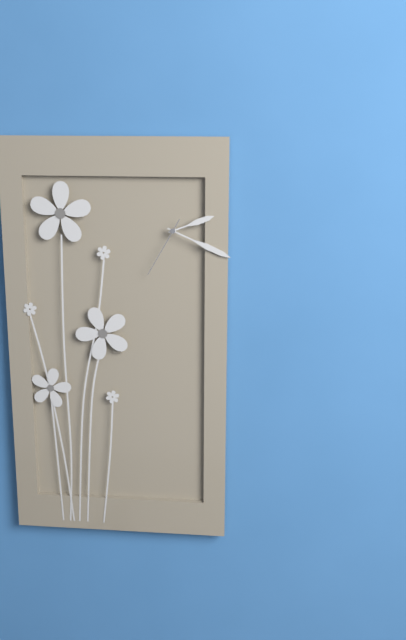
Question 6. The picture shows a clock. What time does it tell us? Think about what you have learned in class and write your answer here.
2:19:35
